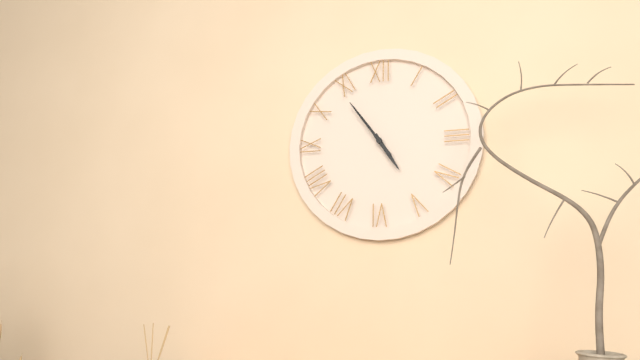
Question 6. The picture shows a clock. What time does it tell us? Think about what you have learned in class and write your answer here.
4:54
